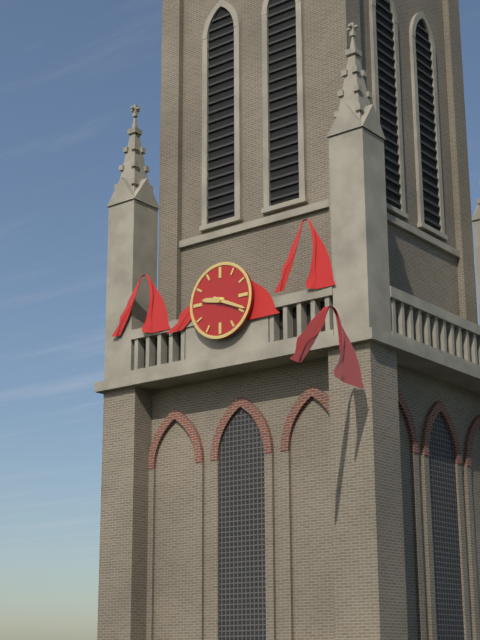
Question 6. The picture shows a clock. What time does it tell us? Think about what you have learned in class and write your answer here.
9:19
